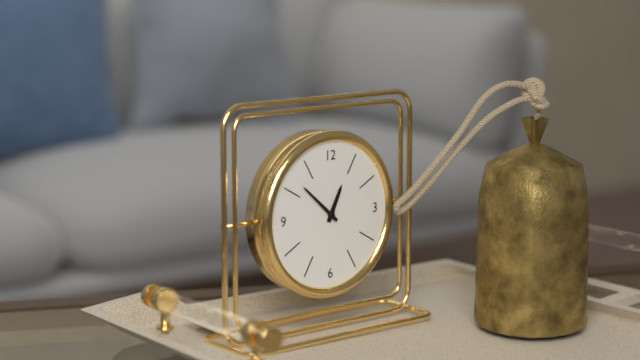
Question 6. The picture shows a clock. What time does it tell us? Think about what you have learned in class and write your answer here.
12:52
